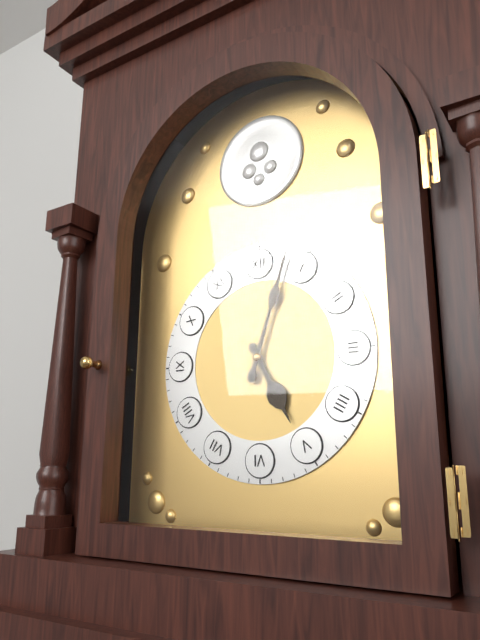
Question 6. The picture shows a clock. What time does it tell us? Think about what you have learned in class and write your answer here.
5:03
